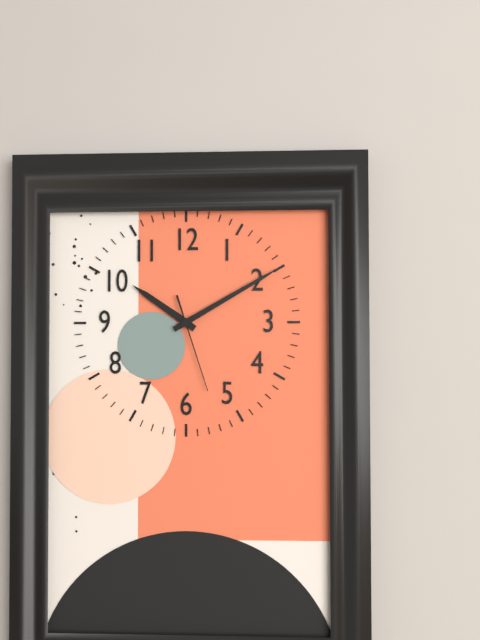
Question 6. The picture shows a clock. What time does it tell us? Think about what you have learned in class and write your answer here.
10:10:27
